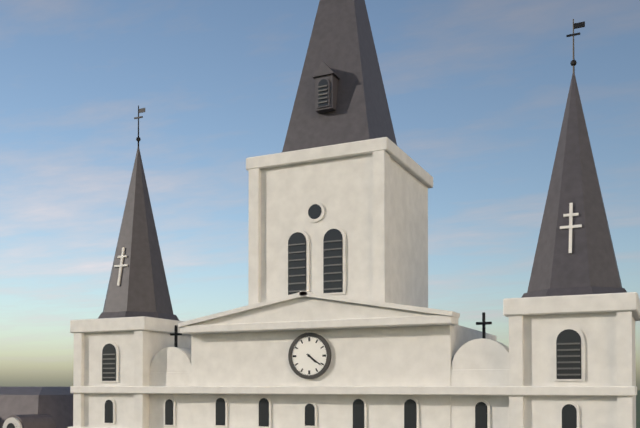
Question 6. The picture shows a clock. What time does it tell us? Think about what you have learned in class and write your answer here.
4:21
